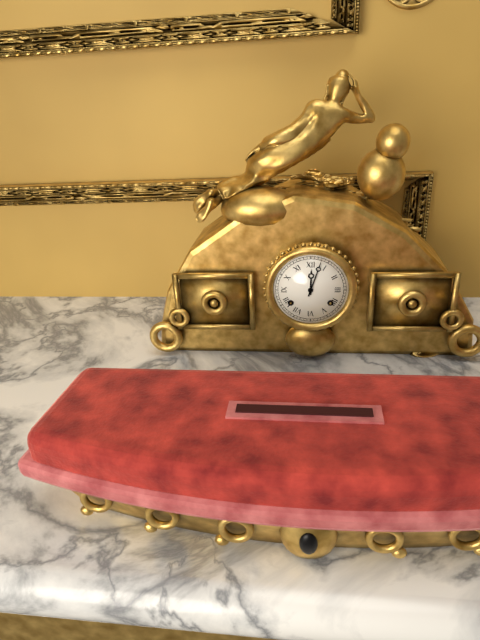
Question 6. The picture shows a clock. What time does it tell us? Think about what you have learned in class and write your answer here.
12:03
